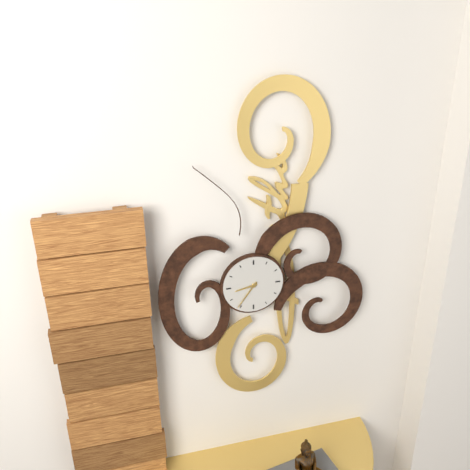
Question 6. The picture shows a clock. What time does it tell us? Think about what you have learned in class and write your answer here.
8:36
